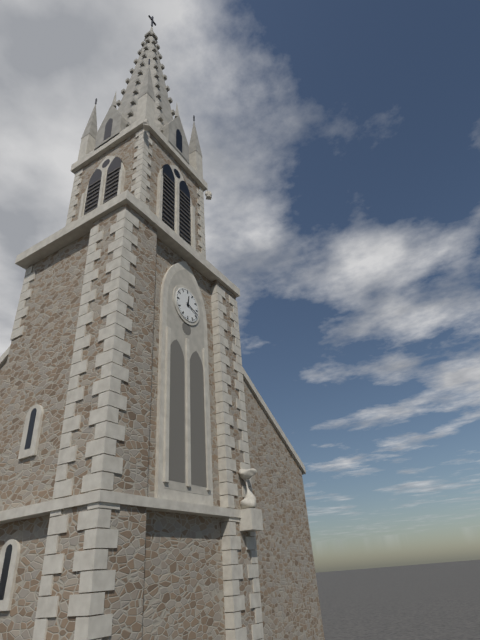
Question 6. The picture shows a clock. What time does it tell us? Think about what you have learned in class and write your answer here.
12:18
